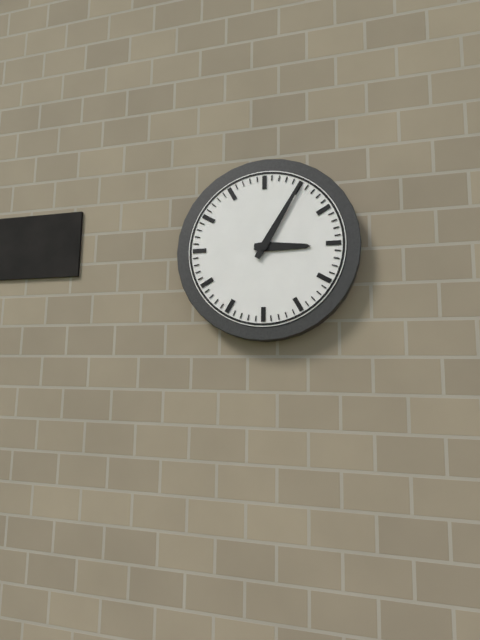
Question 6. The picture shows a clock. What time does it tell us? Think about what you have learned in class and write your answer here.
3:05
